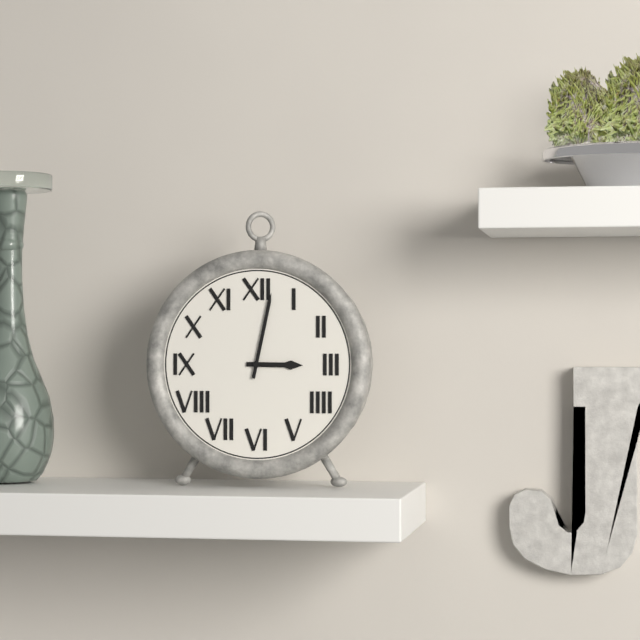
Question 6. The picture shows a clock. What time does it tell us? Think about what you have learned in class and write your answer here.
3:02
